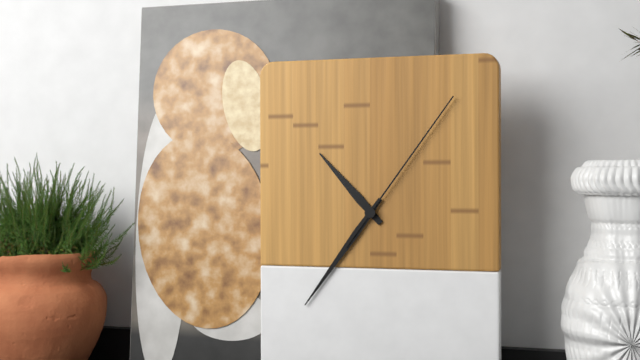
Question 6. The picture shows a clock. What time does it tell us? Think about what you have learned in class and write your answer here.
10:36:06
